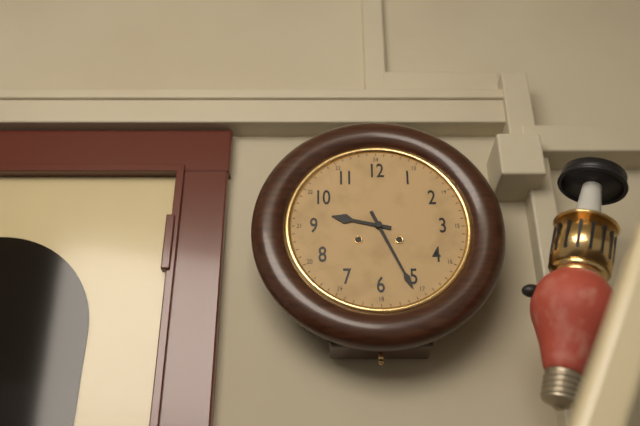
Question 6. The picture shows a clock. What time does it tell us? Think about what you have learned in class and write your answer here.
9:26
